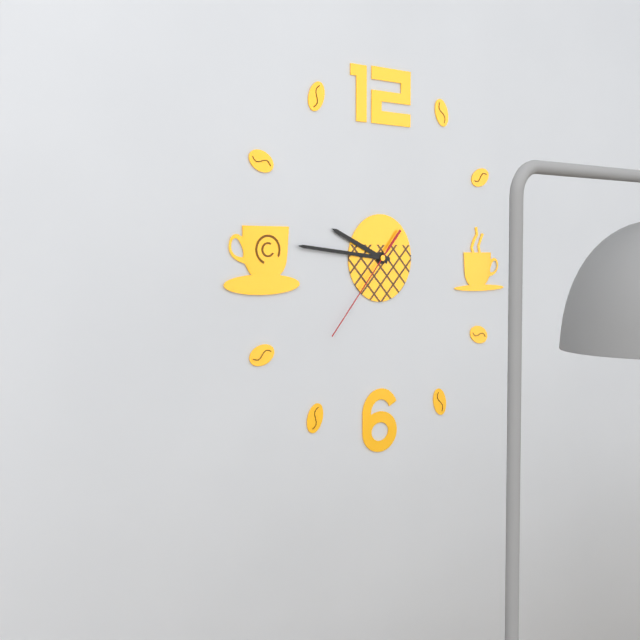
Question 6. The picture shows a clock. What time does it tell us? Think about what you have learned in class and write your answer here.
9:46:37
